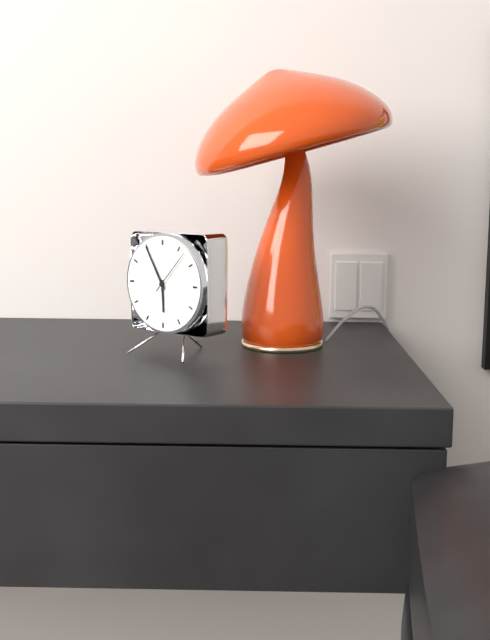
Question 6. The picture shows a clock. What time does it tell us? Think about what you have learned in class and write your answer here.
5:55
